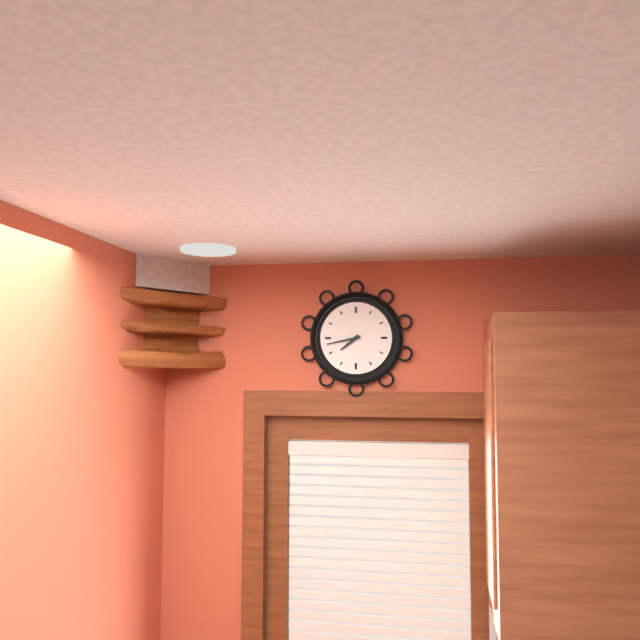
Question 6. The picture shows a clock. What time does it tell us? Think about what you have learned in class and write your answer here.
7:43
